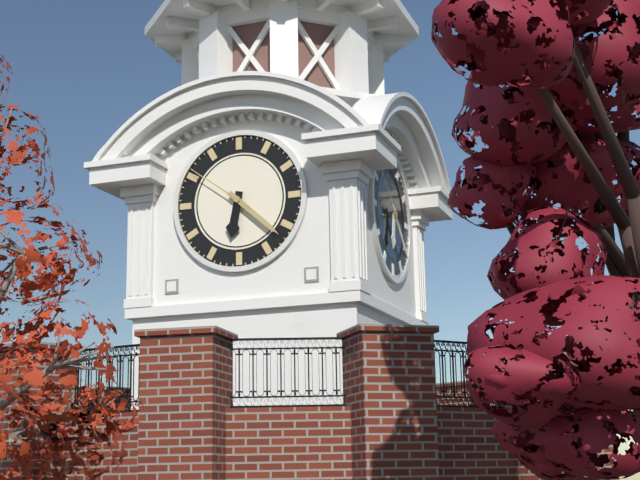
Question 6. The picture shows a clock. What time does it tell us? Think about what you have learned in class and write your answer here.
6:22:51
